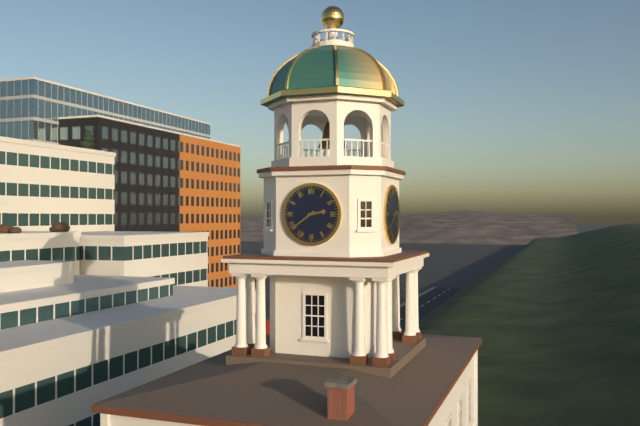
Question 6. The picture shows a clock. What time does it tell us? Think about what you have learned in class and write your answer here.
2:39
